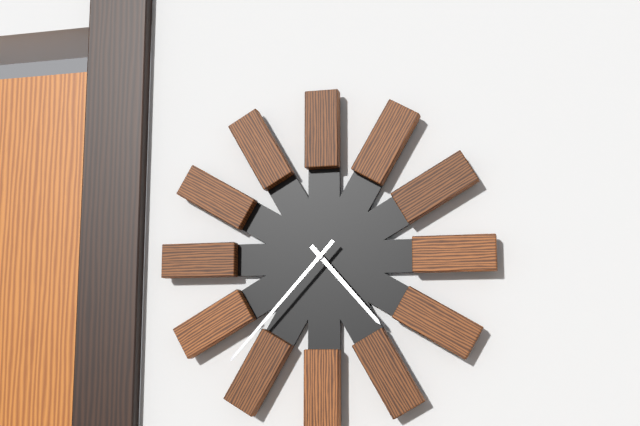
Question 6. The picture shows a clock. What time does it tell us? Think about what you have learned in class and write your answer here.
4:37
